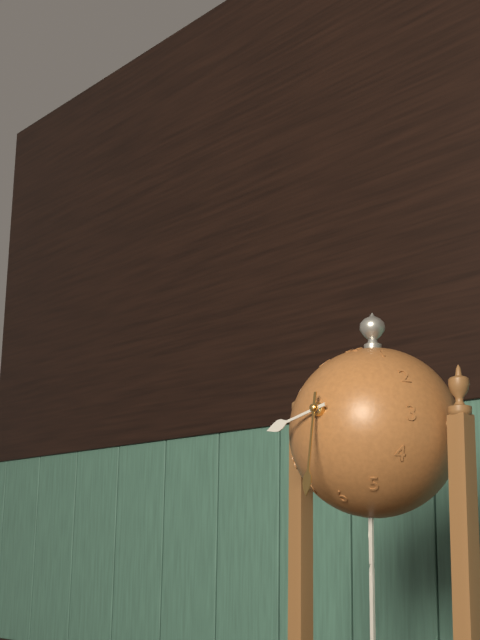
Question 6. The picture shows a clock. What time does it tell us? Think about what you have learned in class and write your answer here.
8:30
